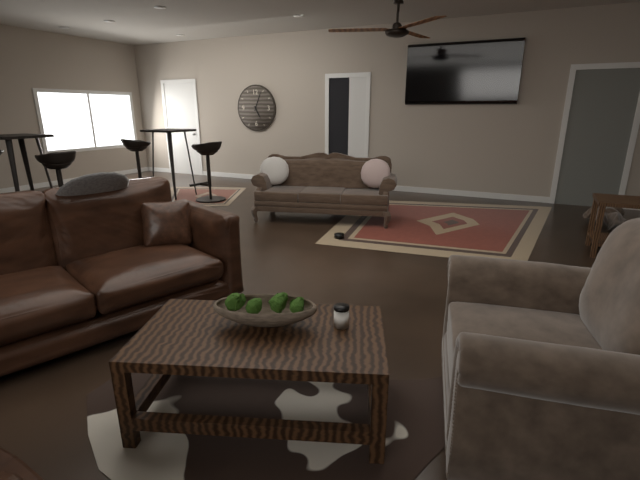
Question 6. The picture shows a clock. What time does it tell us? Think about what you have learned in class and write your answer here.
5:04
